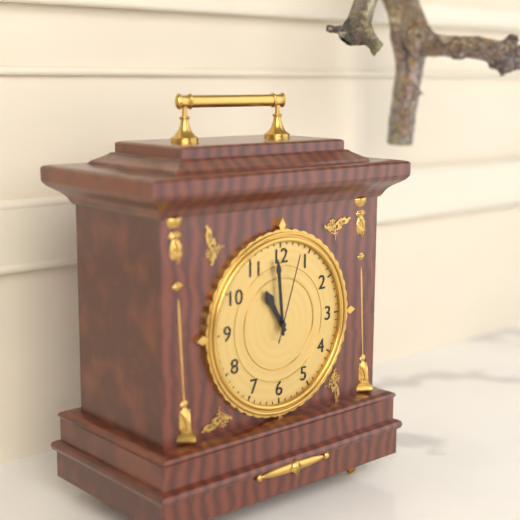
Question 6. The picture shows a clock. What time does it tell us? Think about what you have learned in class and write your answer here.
10:59:03
